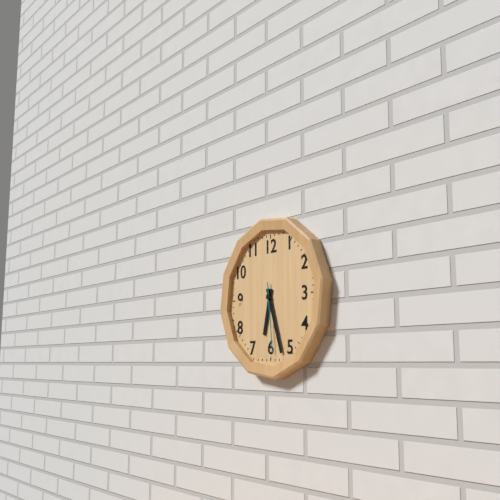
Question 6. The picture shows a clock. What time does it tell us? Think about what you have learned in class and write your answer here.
6:27:29
